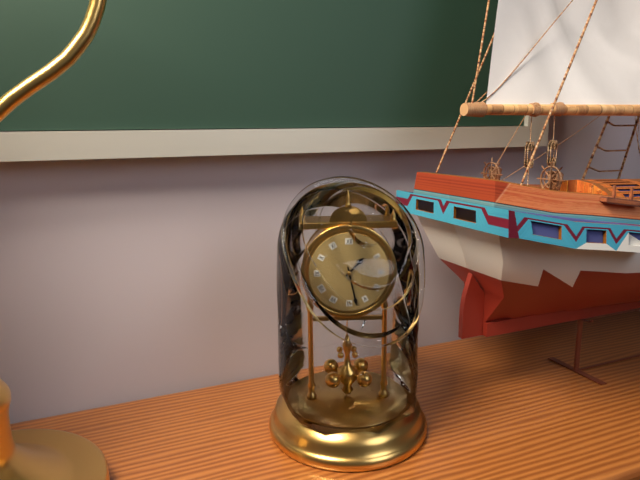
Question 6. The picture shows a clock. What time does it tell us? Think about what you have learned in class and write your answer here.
1:28
